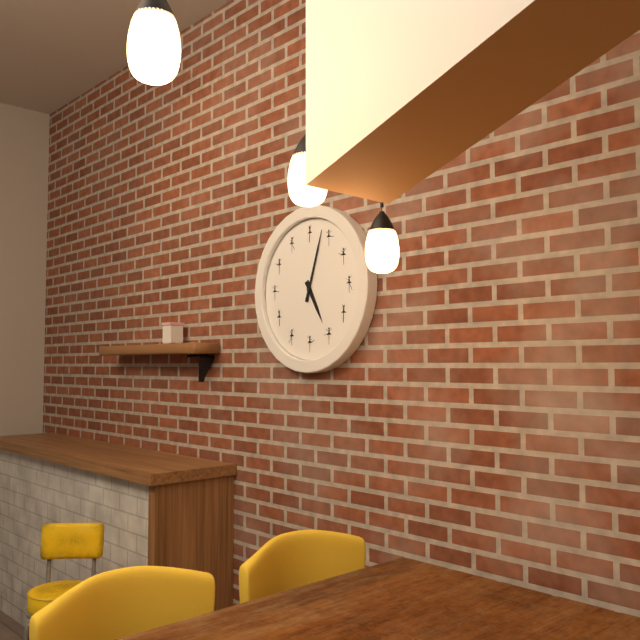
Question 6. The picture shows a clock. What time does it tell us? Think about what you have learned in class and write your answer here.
5:03
